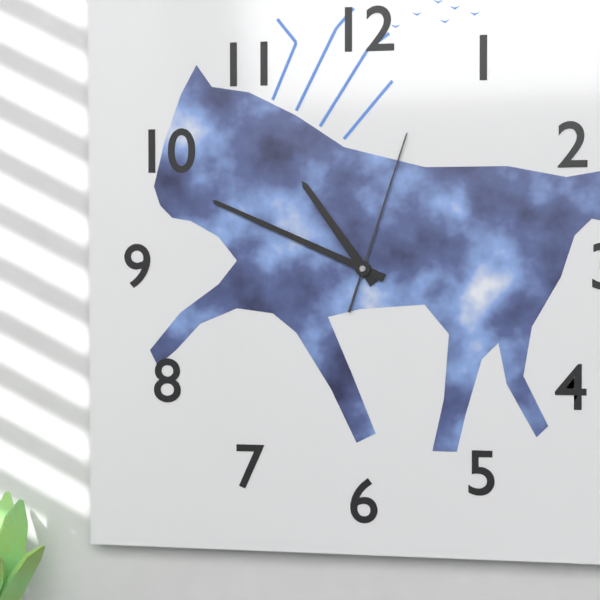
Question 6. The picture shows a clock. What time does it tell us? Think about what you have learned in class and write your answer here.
10:49:03
